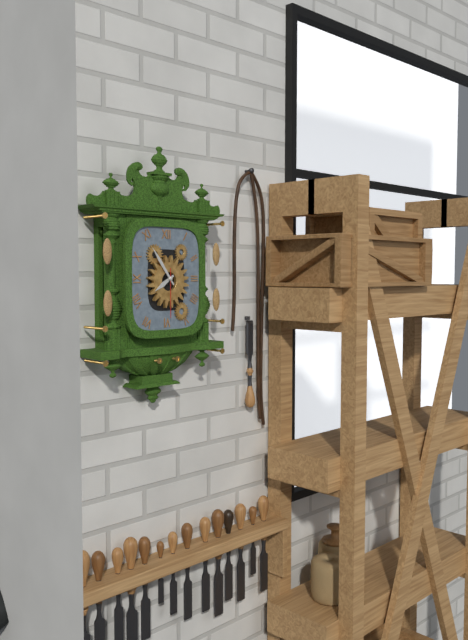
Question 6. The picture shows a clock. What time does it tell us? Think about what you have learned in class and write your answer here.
7:54
